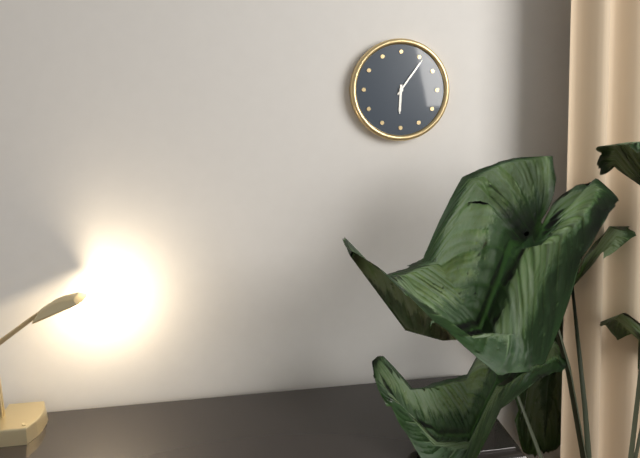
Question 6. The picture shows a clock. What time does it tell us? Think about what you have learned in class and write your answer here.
6:06
